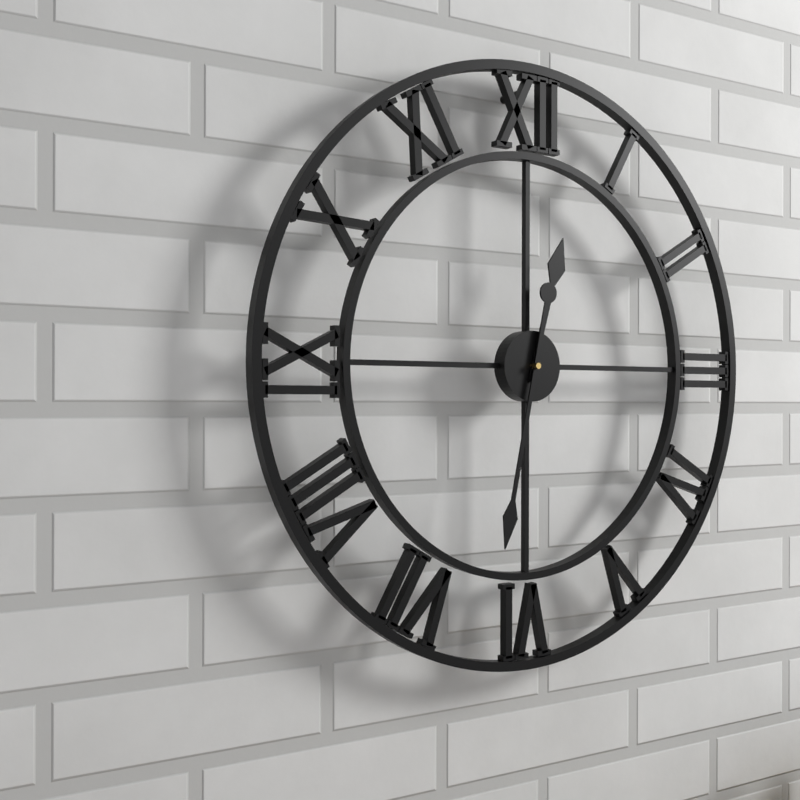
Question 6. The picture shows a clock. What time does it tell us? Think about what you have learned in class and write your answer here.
12:32
